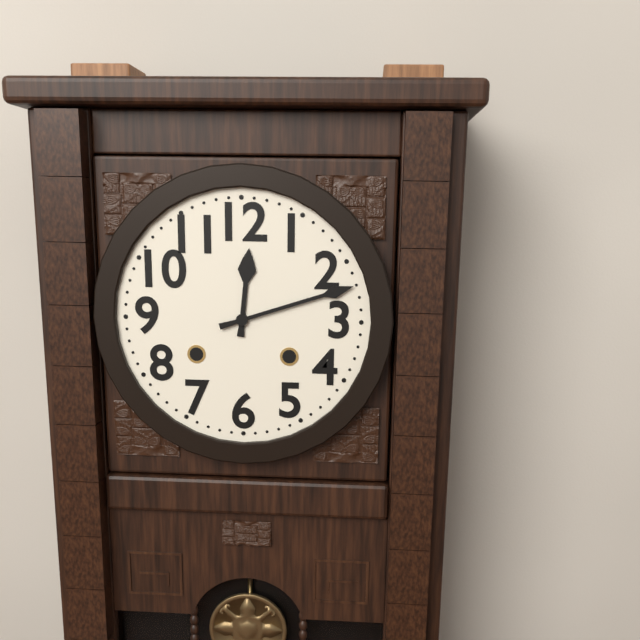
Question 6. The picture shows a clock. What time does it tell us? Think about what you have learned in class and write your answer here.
12:12
